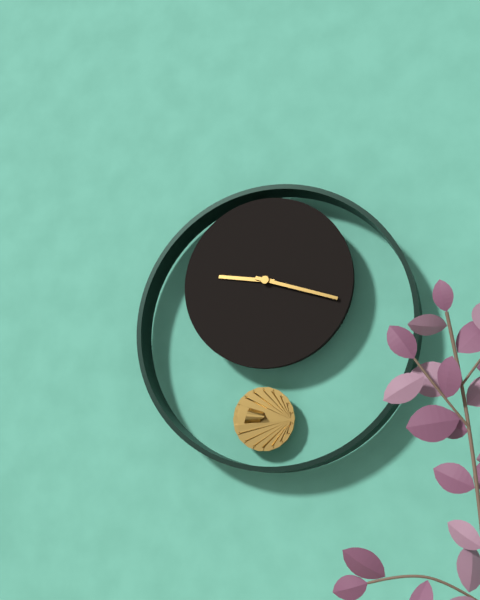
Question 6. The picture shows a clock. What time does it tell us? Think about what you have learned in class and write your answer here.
9:18
